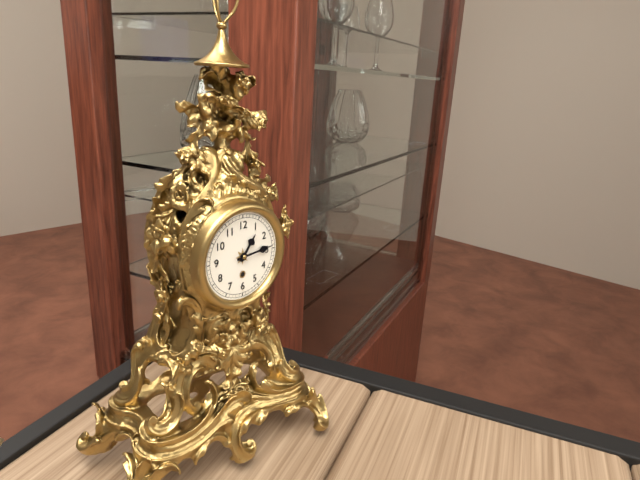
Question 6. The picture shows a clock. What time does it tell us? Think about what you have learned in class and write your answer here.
1:14
